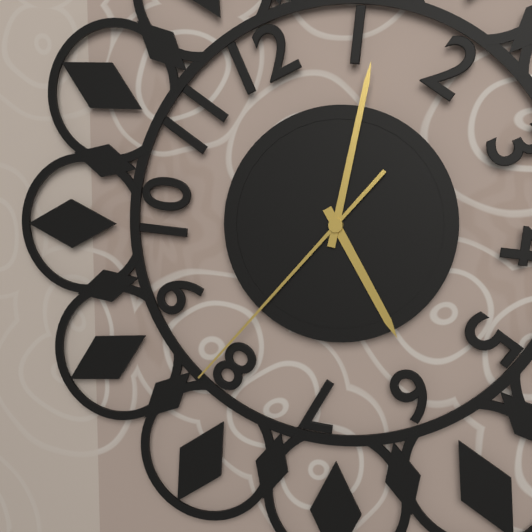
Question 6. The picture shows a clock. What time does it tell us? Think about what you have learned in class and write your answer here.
5:02:37
